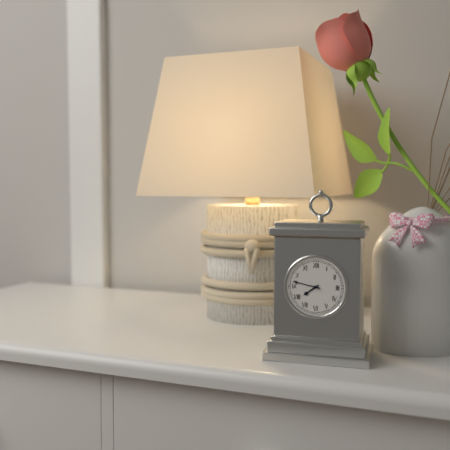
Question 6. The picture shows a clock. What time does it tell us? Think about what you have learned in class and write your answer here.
7:47
